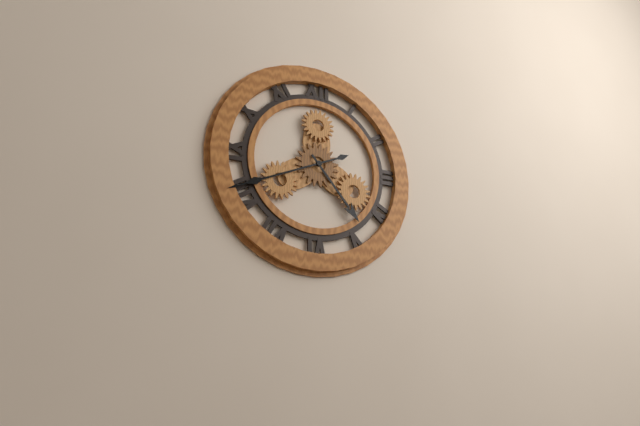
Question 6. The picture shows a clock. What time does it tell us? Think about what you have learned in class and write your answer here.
4:41
